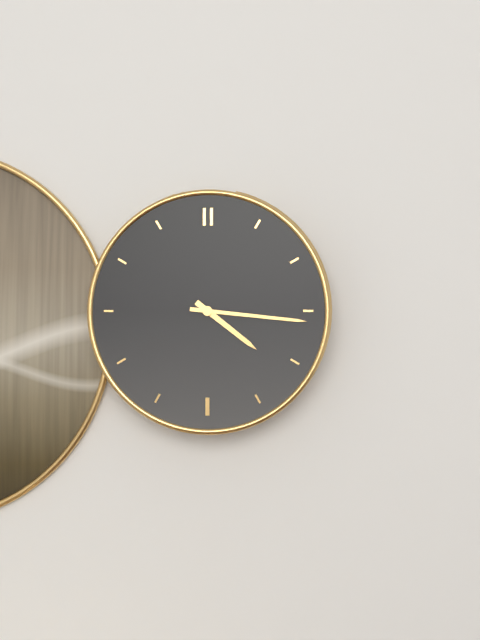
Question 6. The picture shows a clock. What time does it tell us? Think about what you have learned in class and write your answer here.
4:16
